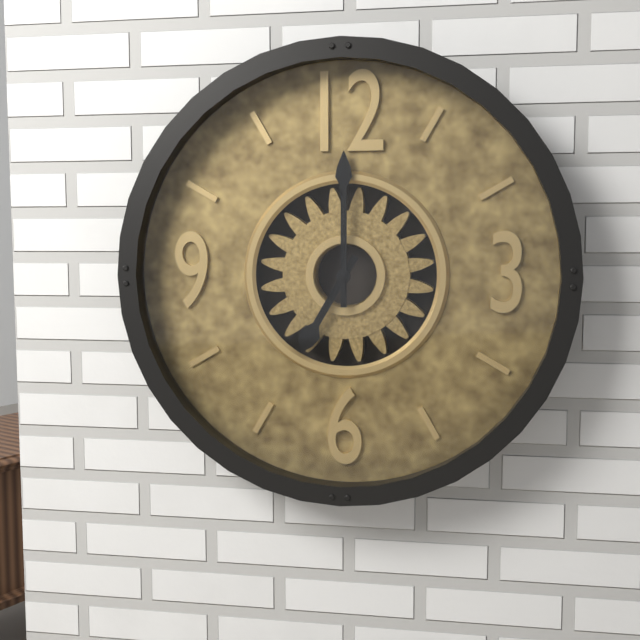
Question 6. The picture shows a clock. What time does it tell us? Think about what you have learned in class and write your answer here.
7:00
